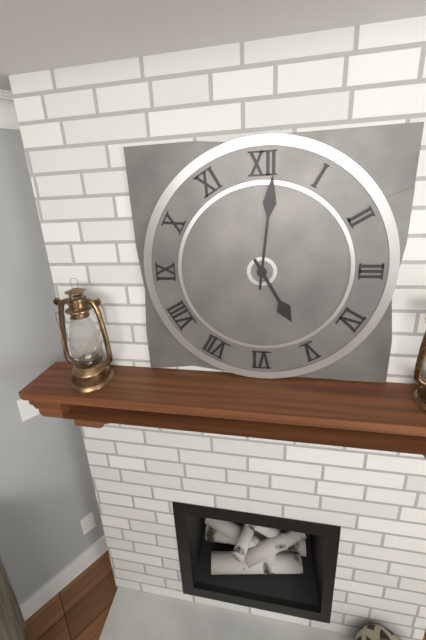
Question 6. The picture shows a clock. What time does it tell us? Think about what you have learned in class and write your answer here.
5:01
